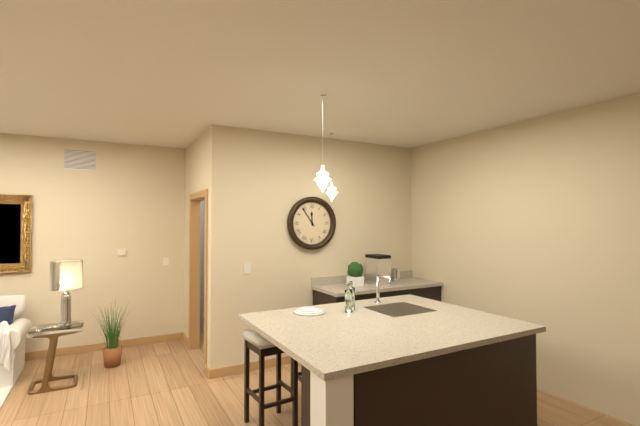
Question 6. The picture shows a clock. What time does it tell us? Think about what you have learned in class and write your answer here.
11:54
